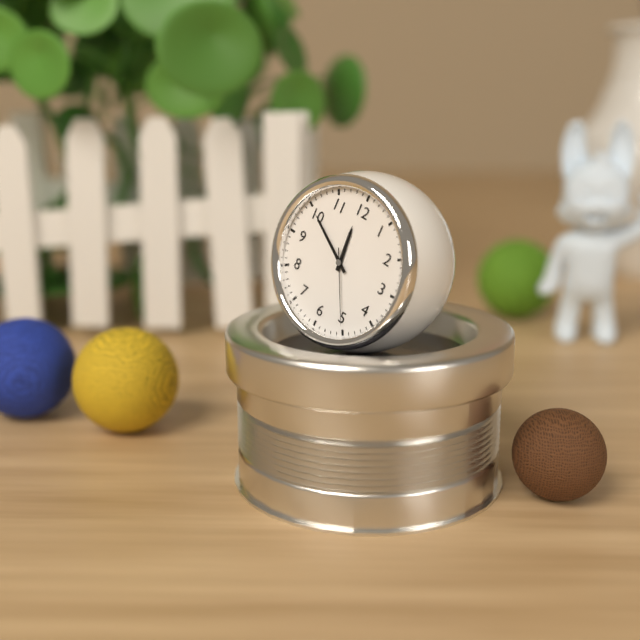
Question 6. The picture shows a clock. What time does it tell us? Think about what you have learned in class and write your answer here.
11:50:25
